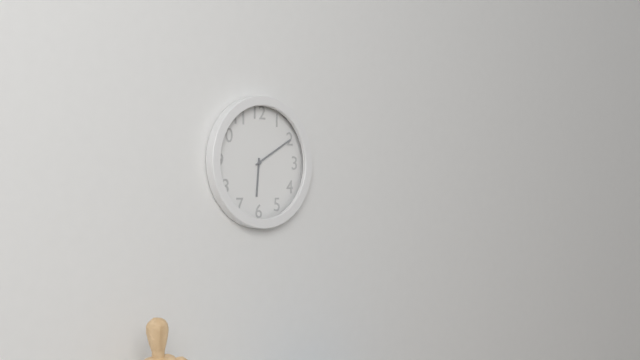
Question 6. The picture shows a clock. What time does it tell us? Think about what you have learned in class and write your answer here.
6:10
